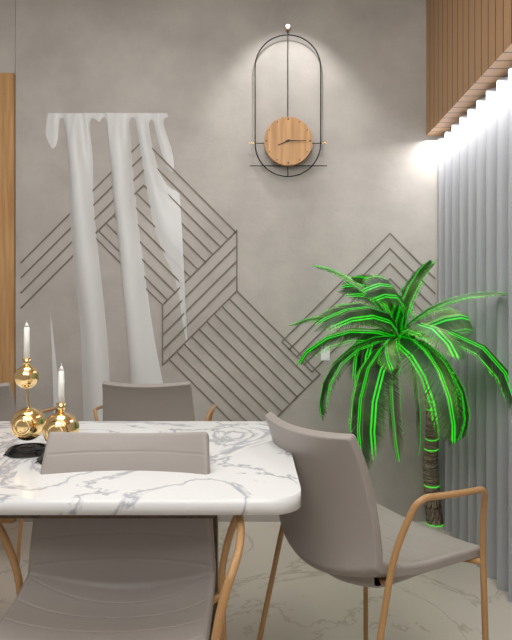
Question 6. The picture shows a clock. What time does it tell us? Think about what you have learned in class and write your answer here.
8:15
